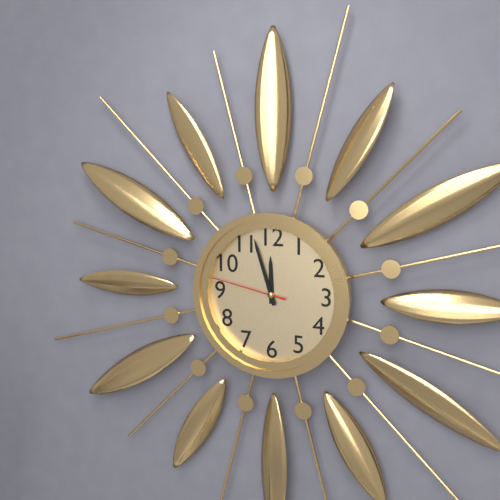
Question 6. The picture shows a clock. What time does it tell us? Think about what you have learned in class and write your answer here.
11:57:47
